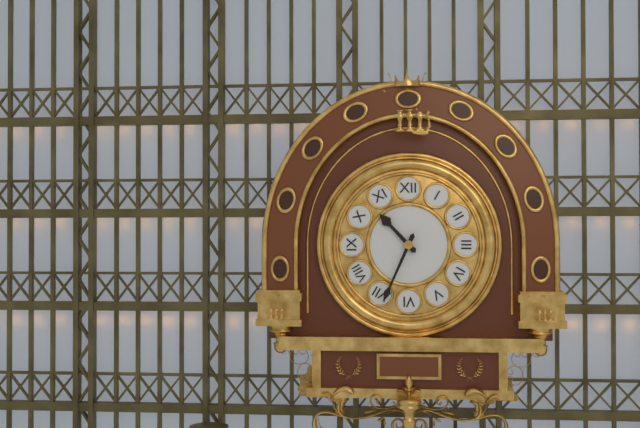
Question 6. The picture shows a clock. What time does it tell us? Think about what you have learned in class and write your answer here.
10:34
